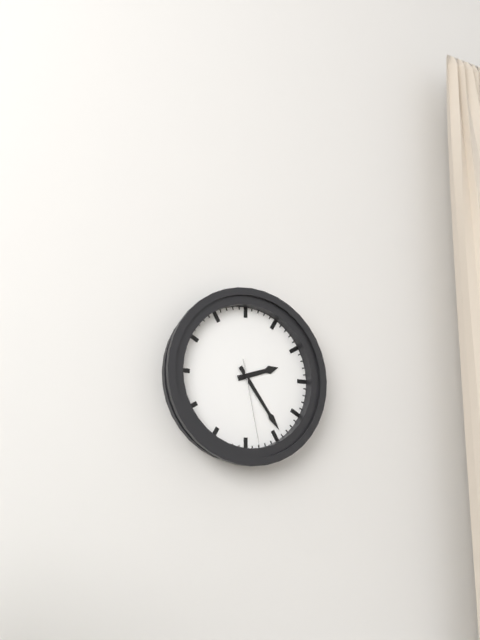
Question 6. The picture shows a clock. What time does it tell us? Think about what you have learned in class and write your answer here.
2:24:28
